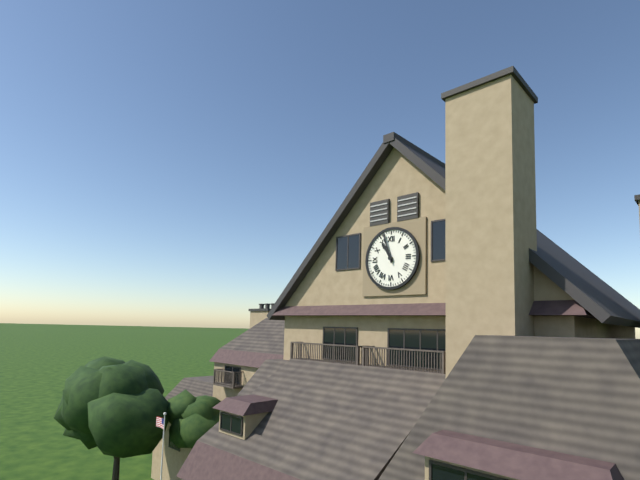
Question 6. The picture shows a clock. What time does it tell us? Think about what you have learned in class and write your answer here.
10:57
